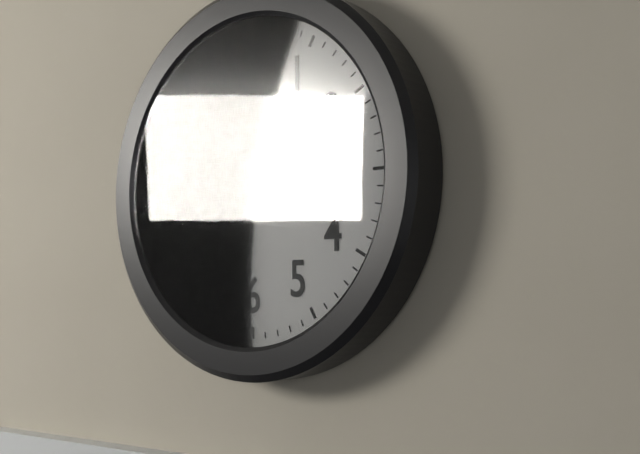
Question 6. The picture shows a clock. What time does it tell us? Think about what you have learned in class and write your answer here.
11:45
